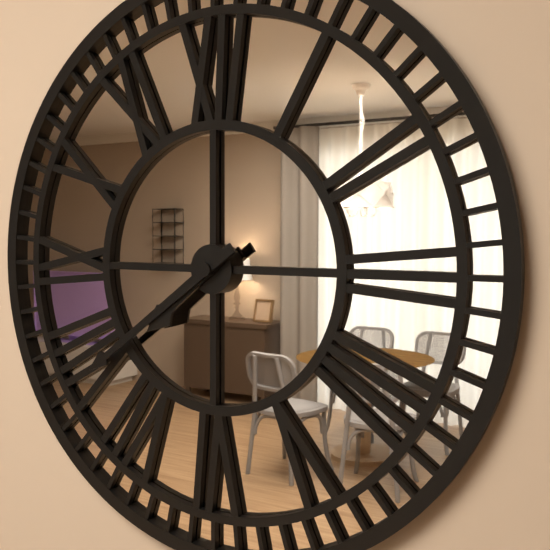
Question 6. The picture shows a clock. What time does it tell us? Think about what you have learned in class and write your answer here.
7:39
